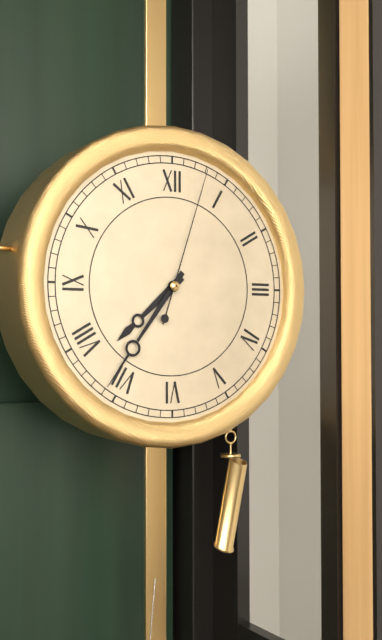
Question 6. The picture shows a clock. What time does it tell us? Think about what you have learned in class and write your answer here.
7:36:03
